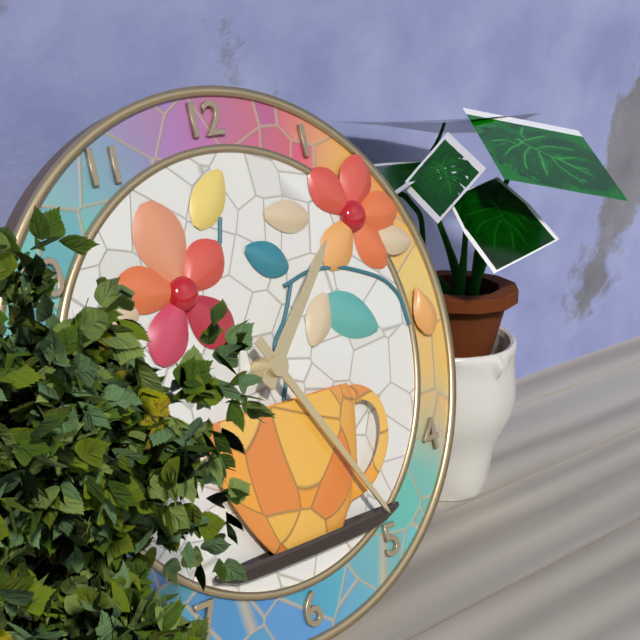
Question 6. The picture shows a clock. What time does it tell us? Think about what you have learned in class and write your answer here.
1:25
